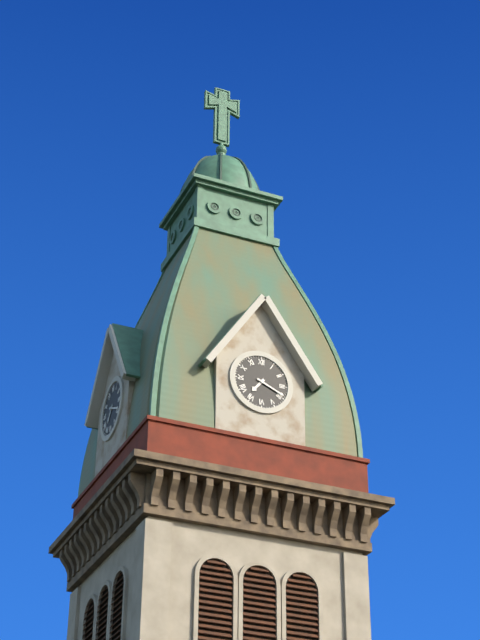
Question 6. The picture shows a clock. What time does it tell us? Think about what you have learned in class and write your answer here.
7:19
